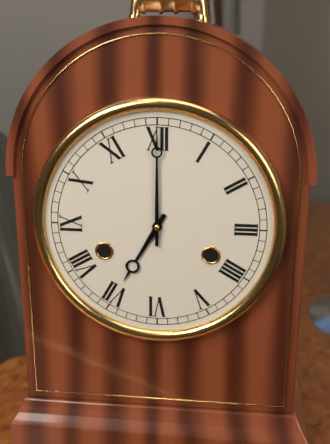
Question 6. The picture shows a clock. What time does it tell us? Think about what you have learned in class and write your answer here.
7:00
